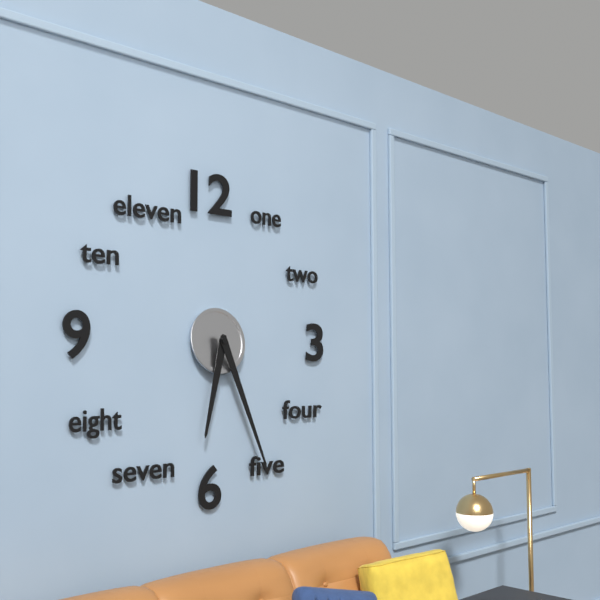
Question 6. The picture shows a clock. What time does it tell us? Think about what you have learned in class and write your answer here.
6:26
